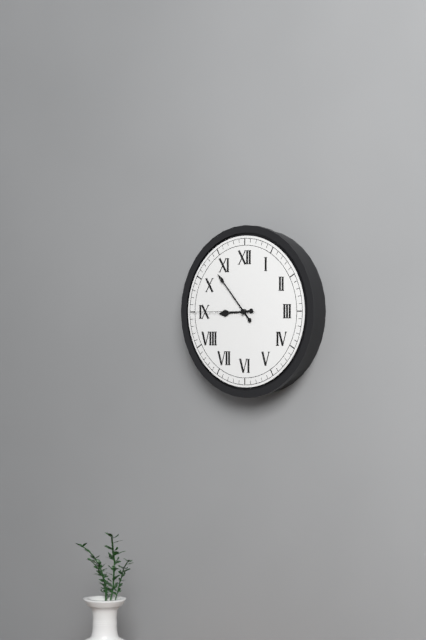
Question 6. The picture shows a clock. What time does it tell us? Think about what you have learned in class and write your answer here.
8:53:45
